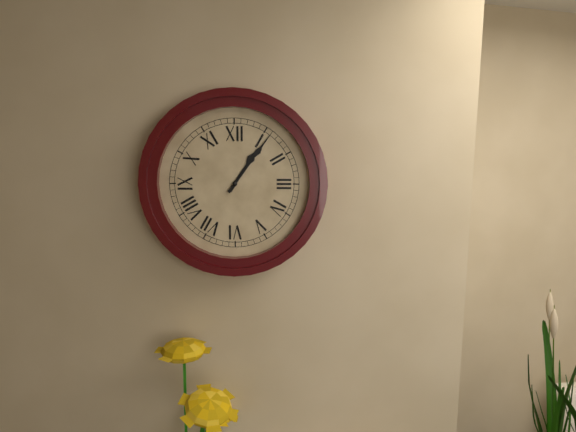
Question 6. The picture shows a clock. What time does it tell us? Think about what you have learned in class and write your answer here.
1:06
